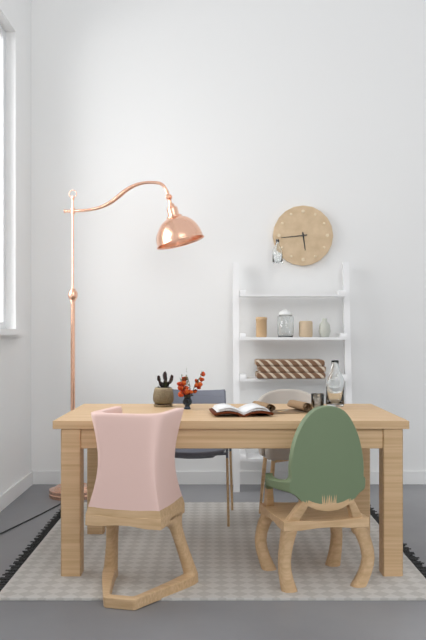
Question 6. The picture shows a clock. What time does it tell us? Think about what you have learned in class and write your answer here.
5:44
